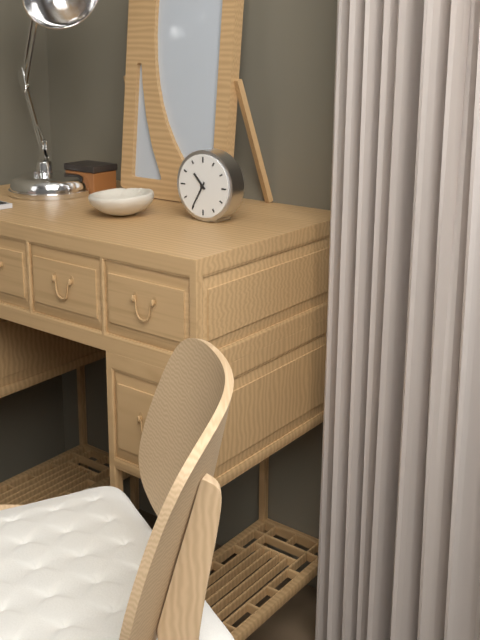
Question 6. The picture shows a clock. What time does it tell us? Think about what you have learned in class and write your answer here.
10:35
